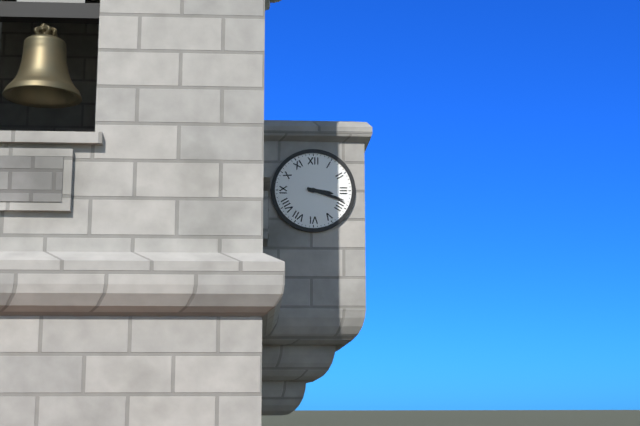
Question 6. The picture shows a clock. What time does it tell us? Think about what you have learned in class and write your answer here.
3:18
